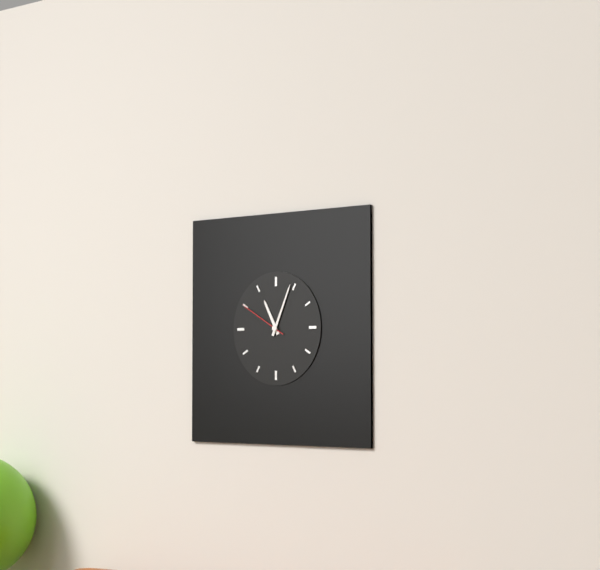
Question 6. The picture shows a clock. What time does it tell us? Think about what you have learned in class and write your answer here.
11:04:50
